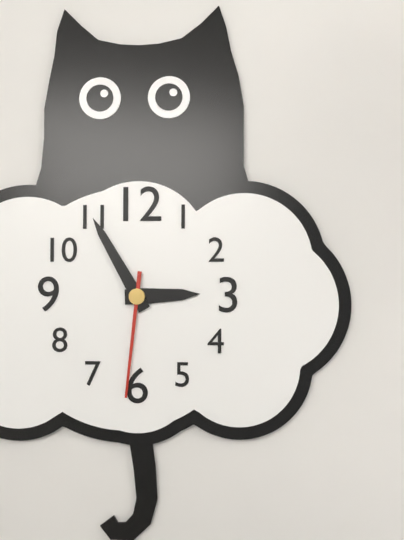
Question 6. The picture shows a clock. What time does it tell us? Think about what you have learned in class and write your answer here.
2:55:31
